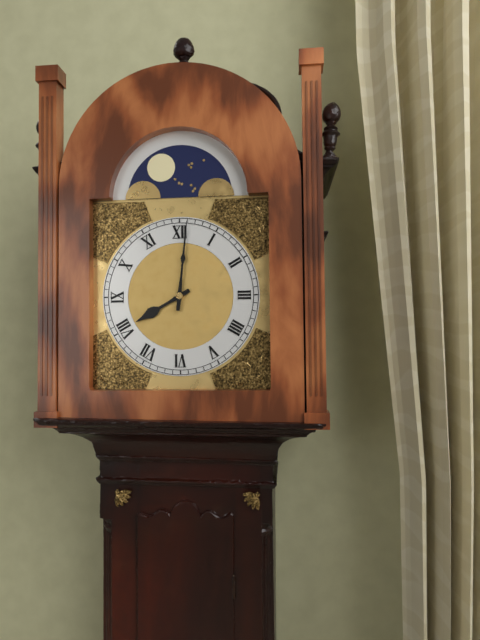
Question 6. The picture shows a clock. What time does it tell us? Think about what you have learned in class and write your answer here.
8:01
